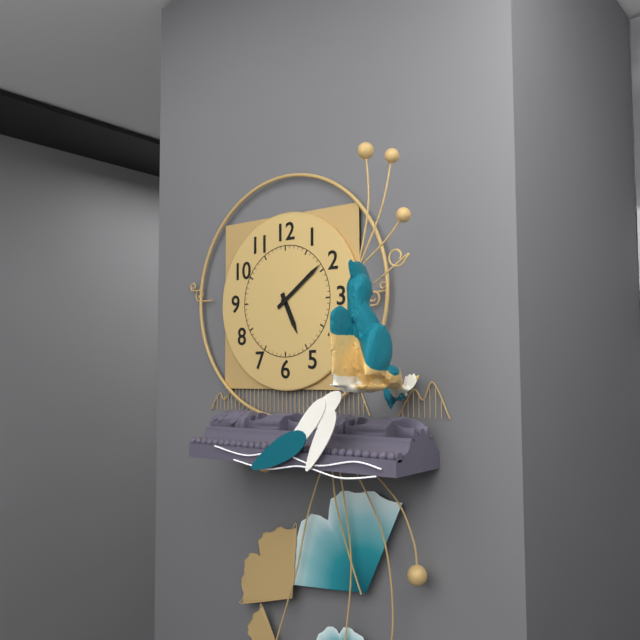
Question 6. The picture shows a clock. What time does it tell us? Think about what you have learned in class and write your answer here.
5:09
